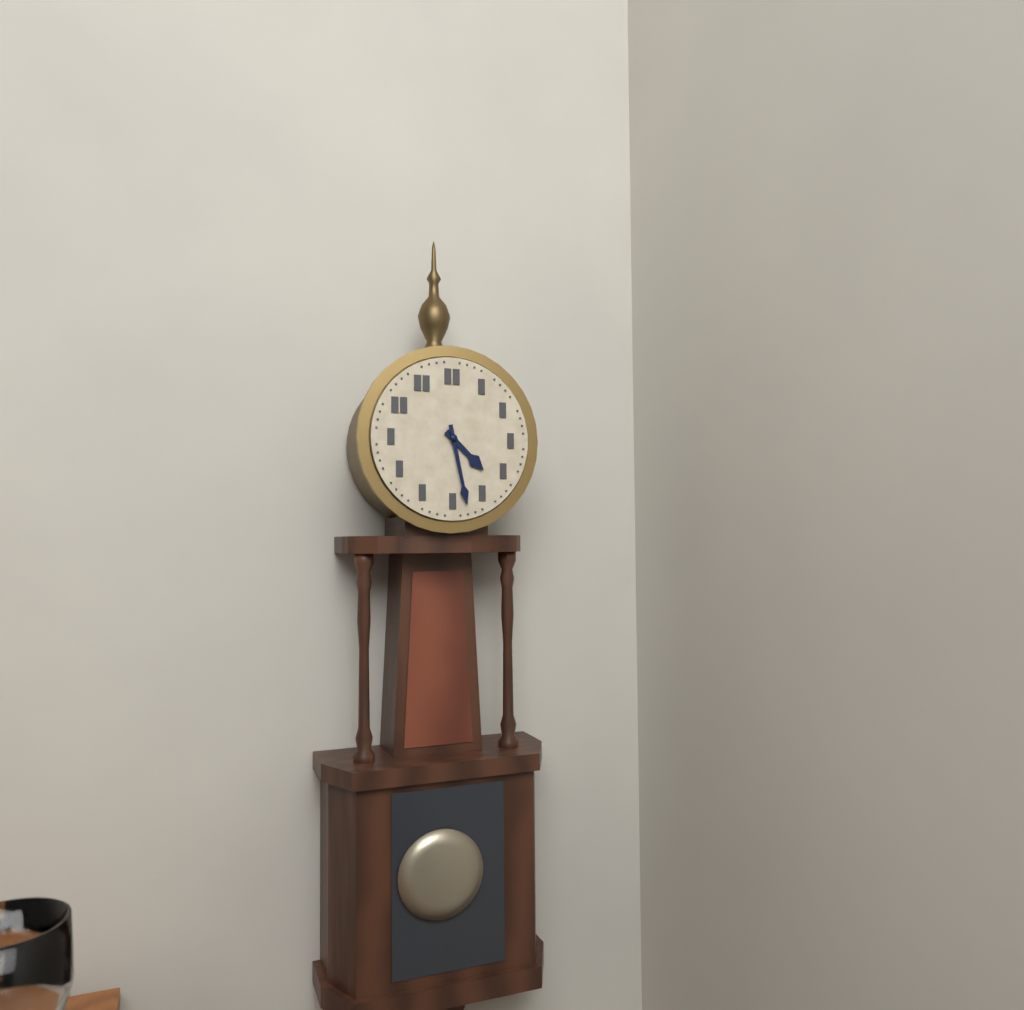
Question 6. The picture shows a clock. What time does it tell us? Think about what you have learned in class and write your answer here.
4:28
